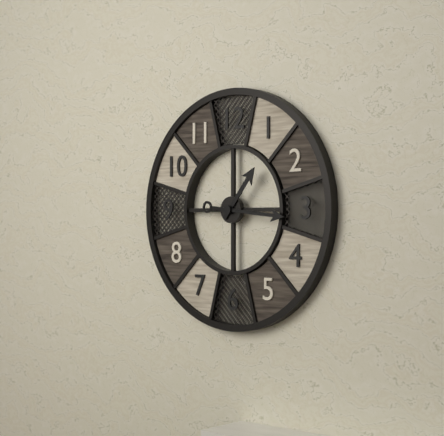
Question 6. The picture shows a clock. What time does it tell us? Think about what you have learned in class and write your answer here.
1:16
